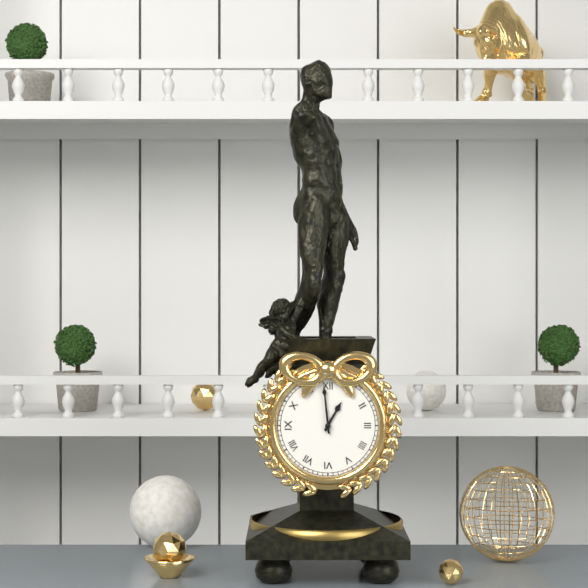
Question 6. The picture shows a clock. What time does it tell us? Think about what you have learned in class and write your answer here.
12:59
